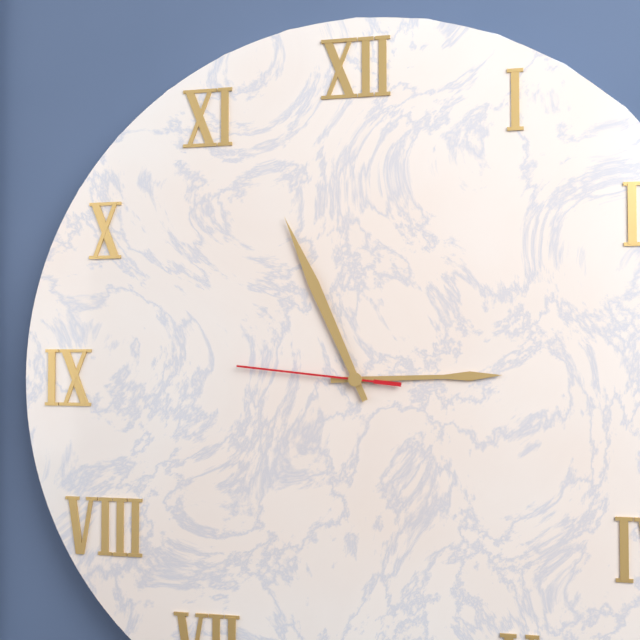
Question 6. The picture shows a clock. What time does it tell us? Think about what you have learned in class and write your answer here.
2:56:46
